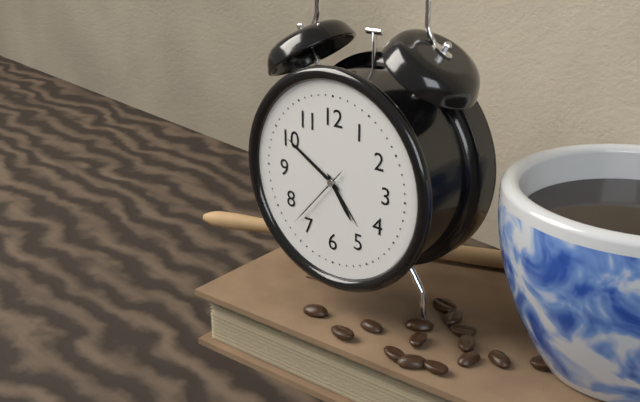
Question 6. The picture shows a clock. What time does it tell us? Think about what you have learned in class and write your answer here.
4:50:37
